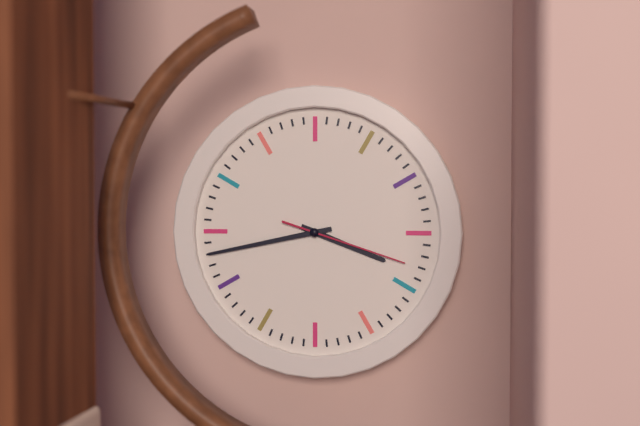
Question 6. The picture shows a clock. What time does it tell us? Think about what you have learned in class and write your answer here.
3:43:18
